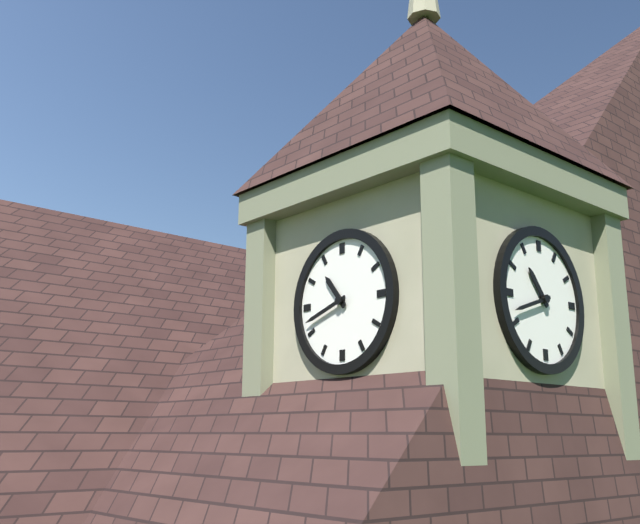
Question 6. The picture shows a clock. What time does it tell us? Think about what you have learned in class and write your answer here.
10:42
